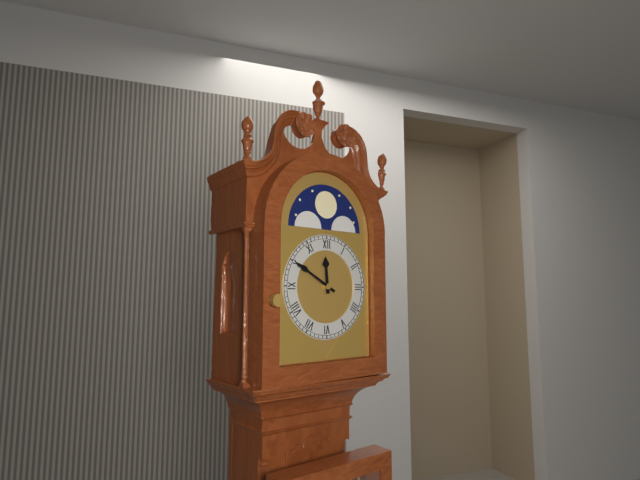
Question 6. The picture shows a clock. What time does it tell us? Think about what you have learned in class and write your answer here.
11:50
